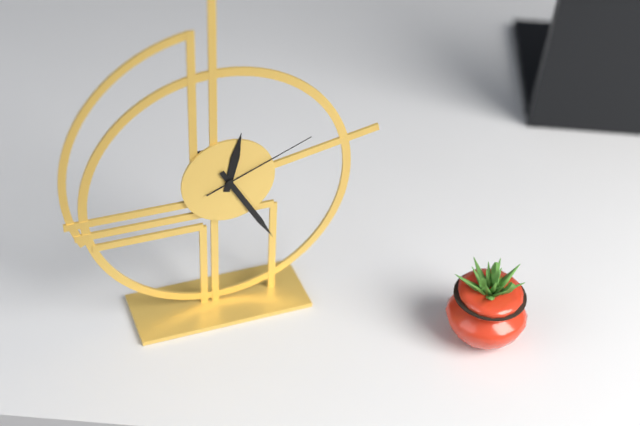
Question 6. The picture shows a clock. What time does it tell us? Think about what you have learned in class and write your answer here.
12:25:11
